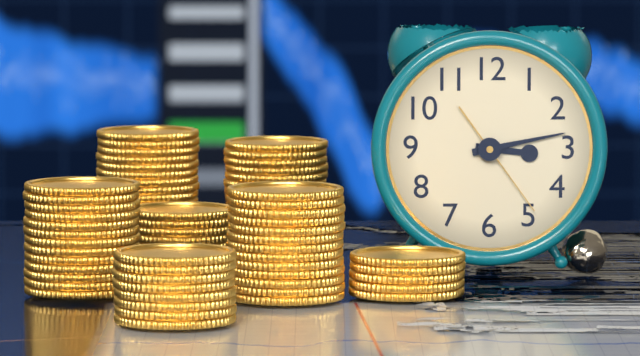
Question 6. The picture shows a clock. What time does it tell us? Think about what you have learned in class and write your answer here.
3:13:24
